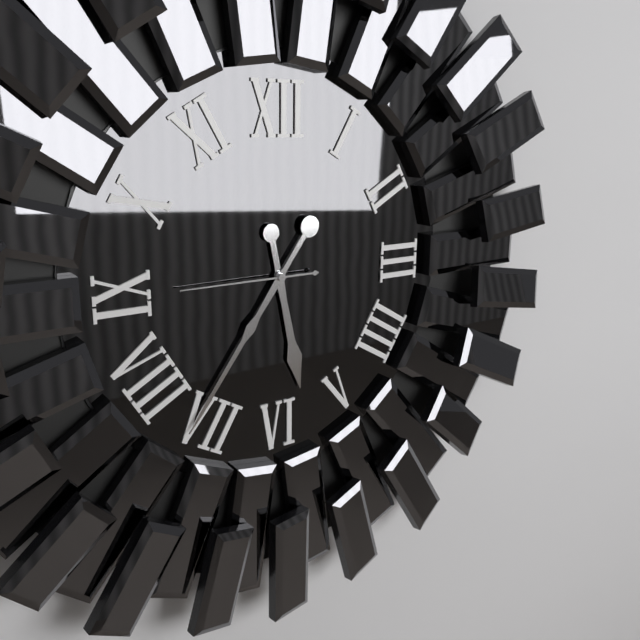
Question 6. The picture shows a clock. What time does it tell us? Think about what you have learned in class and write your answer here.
5:36:45
